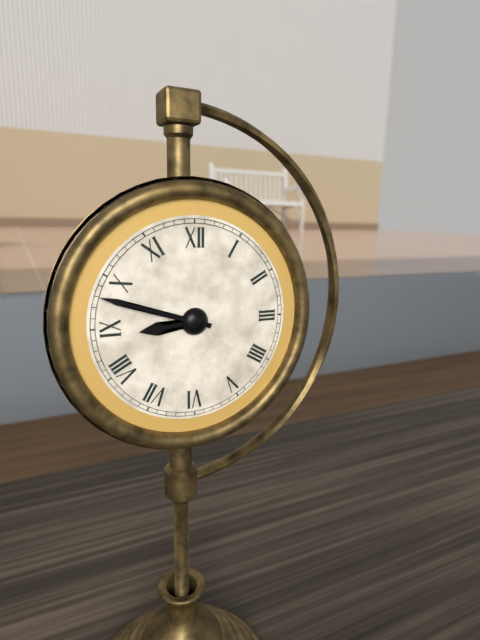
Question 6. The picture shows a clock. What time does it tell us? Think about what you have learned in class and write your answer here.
8:48
